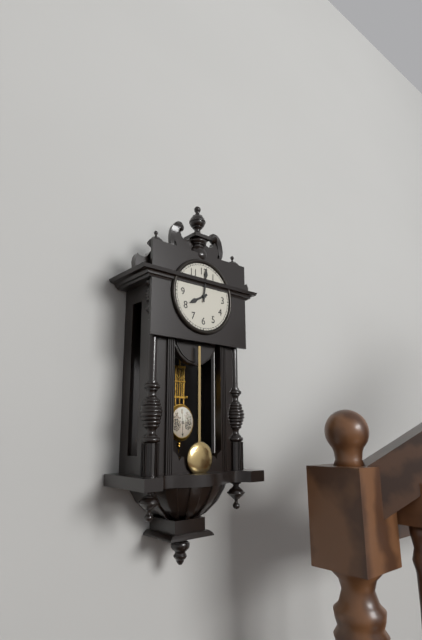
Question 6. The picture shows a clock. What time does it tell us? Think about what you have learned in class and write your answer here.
8:01
